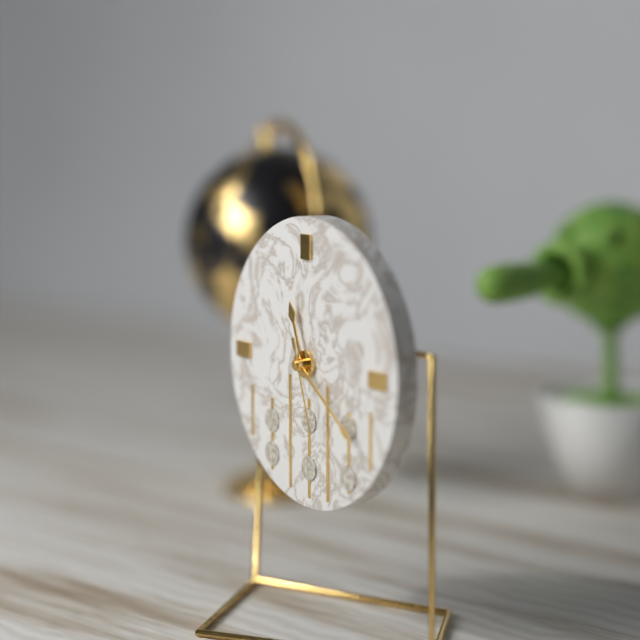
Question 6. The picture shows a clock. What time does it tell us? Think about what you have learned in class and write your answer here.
11:21:27
